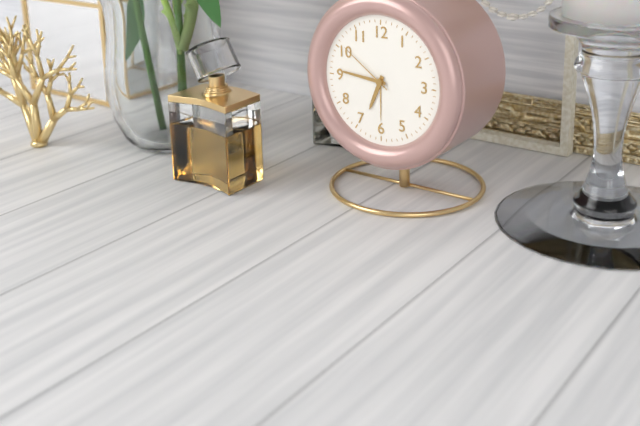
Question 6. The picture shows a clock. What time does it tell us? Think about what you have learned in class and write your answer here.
6:46:51
